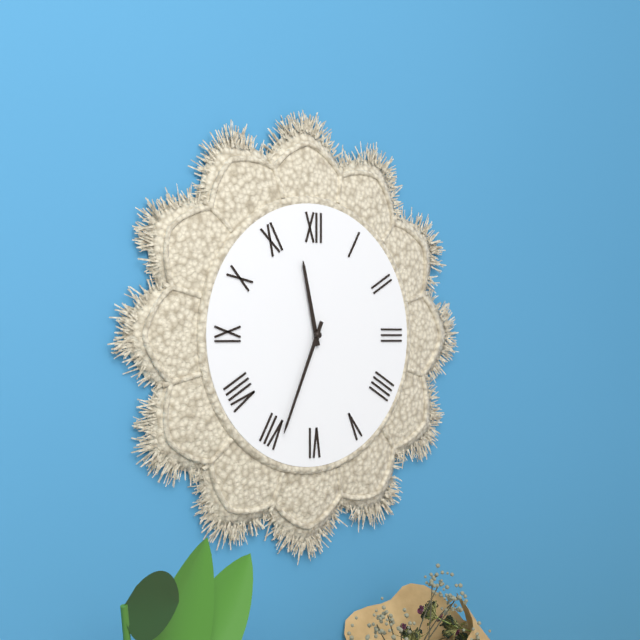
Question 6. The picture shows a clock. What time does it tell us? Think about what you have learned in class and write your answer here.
11:34
